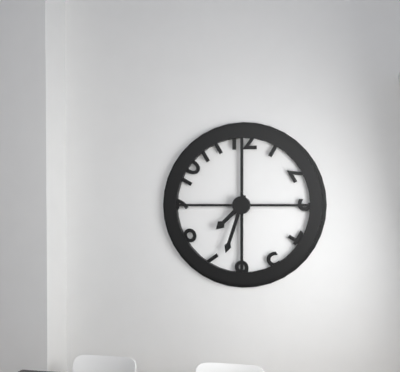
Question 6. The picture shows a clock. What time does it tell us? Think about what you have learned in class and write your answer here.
7:33
